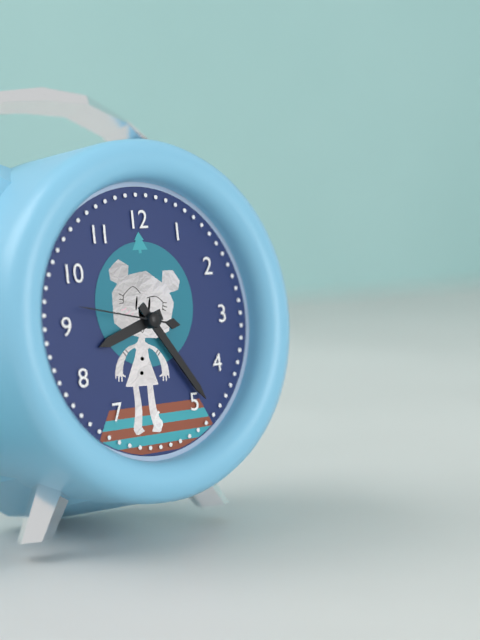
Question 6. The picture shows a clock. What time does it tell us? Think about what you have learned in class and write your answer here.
8:24:47
